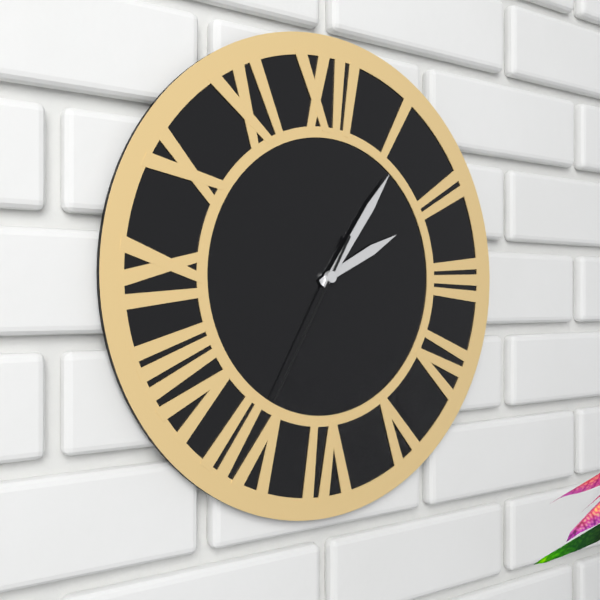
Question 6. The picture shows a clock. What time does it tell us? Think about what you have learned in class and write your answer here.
2:06:35
